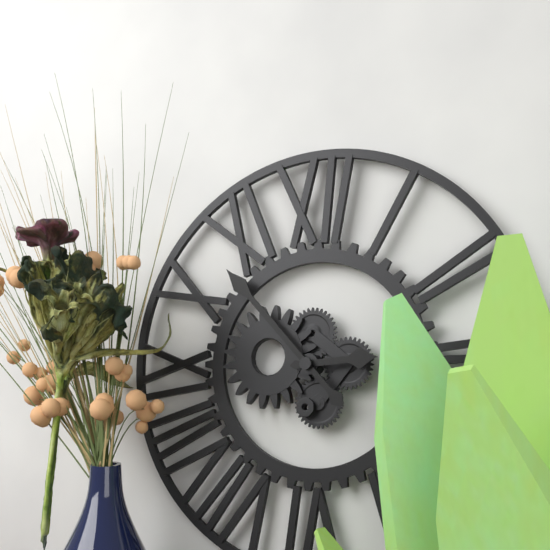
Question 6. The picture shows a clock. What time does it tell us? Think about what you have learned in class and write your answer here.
2:53
